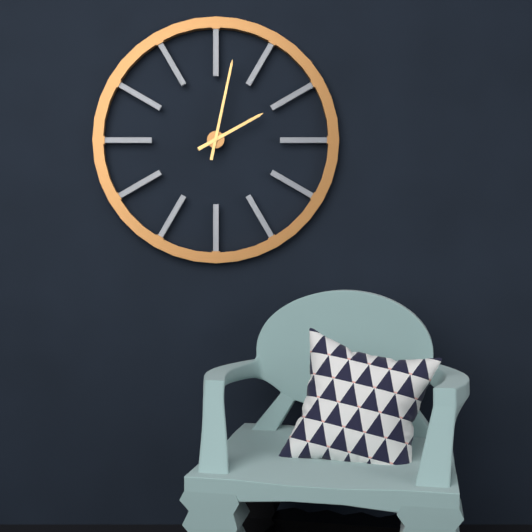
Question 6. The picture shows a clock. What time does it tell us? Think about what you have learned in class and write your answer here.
2:02
